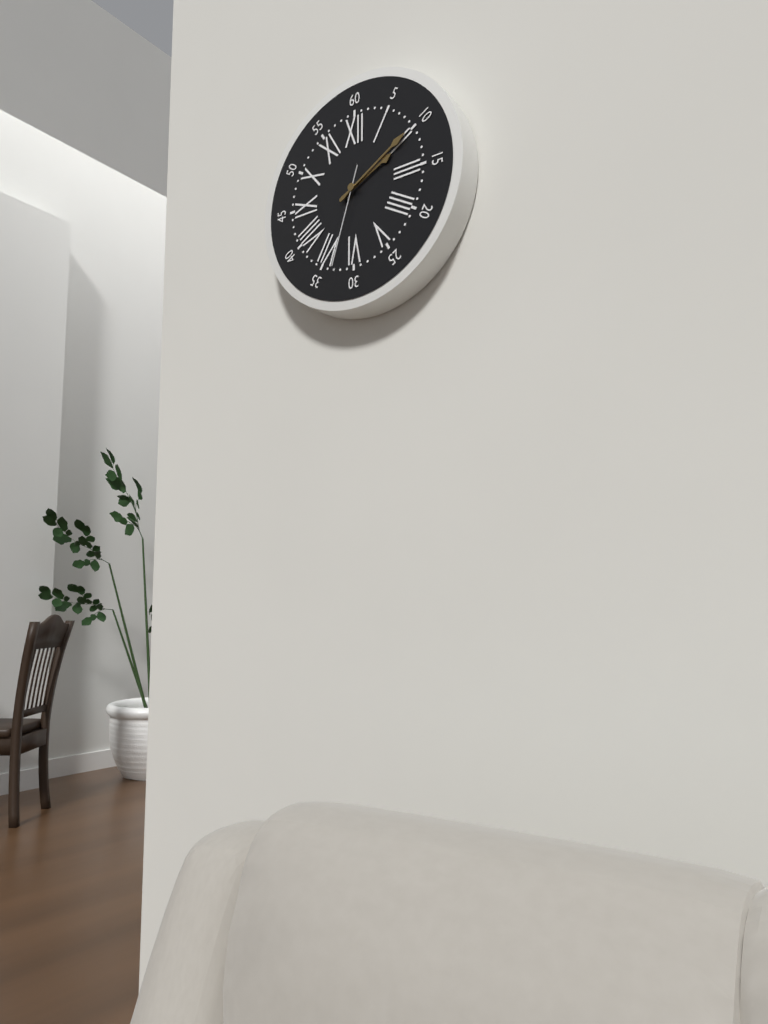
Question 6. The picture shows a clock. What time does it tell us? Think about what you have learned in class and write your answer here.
2:10:33
